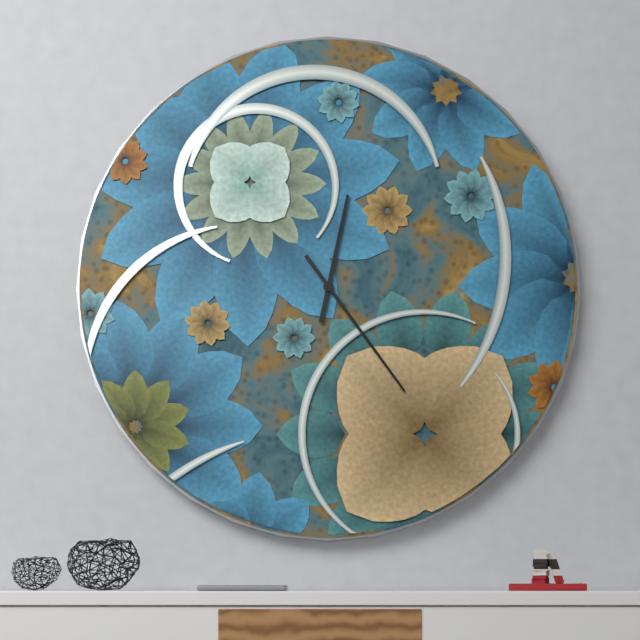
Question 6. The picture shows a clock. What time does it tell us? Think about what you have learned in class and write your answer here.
12:24
